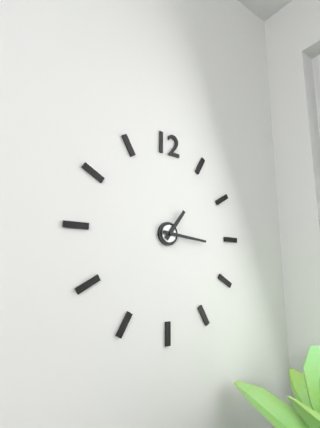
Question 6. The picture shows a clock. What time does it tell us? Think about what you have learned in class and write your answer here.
1:16
